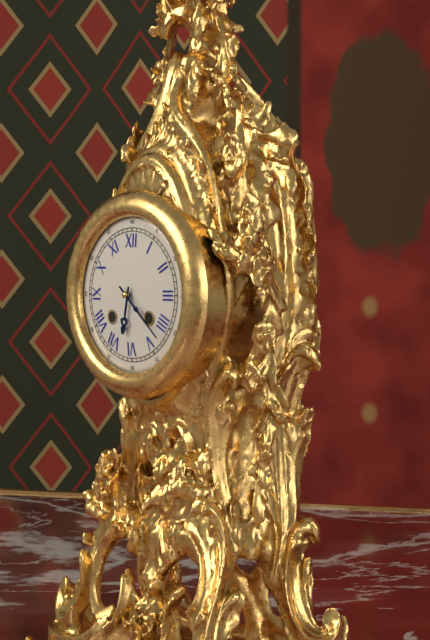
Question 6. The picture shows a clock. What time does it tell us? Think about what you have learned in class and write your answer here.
6:22
